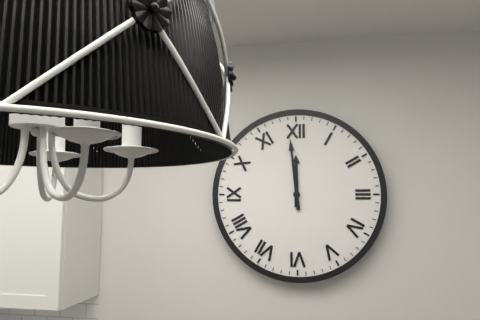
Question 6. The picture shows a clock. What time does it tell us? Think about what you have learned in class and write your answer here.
11:59
